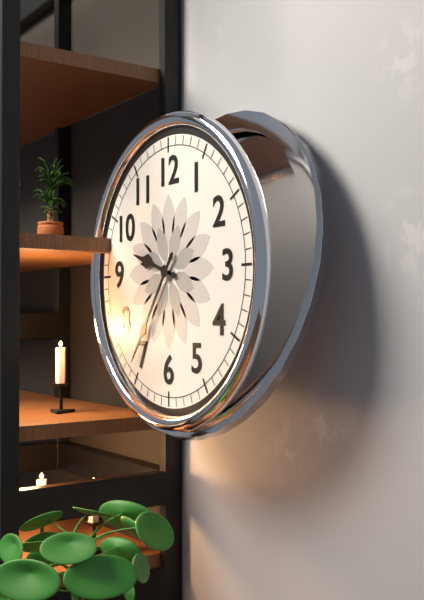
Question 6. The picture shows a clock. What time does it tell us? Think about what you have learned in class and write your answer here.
9:36
